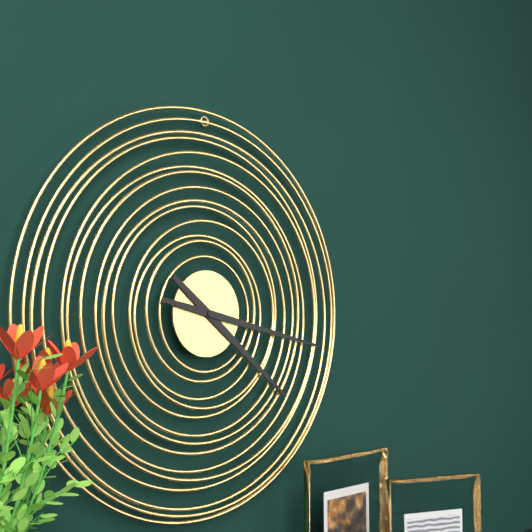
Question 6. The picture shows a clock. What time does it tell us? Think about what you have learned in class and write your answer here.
4:17
